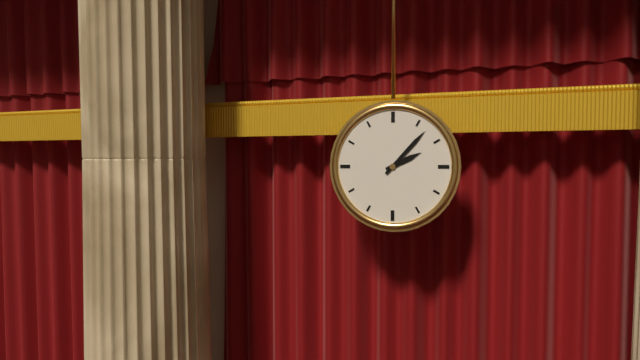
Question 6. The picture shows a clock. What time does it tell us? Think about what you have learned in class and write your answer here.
2:07
